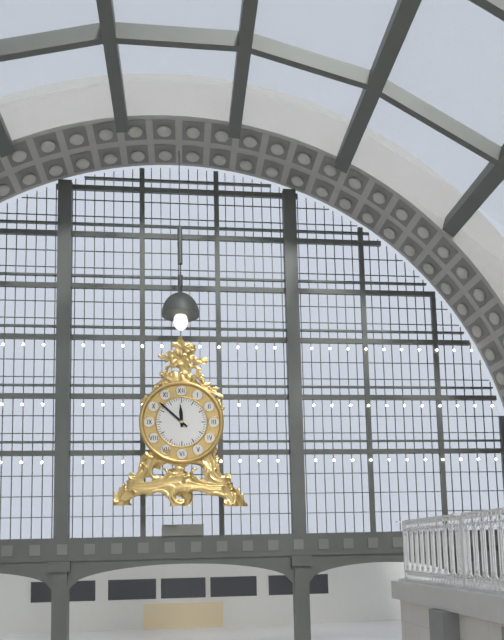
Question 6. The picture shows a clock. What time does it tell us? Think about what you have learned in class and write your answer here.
11:52
